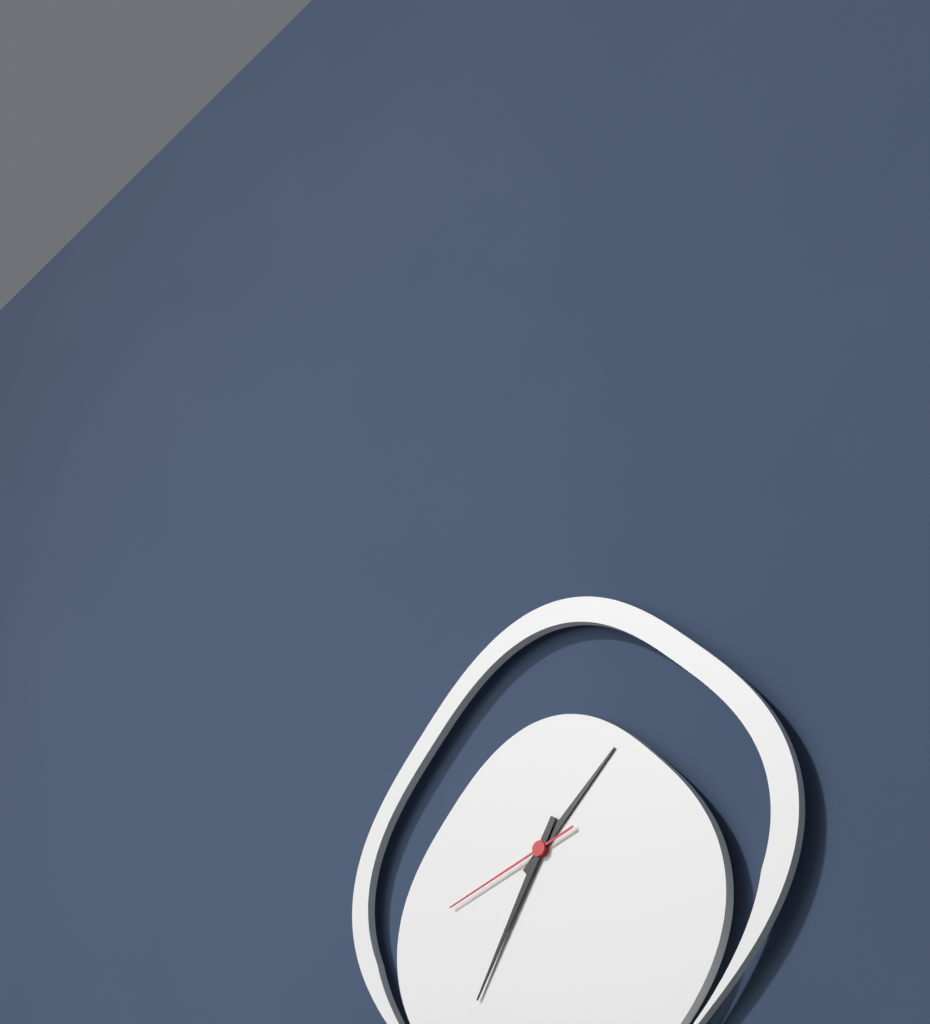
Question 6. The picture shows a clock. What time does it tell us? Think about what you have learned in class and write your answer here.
1:35:42
